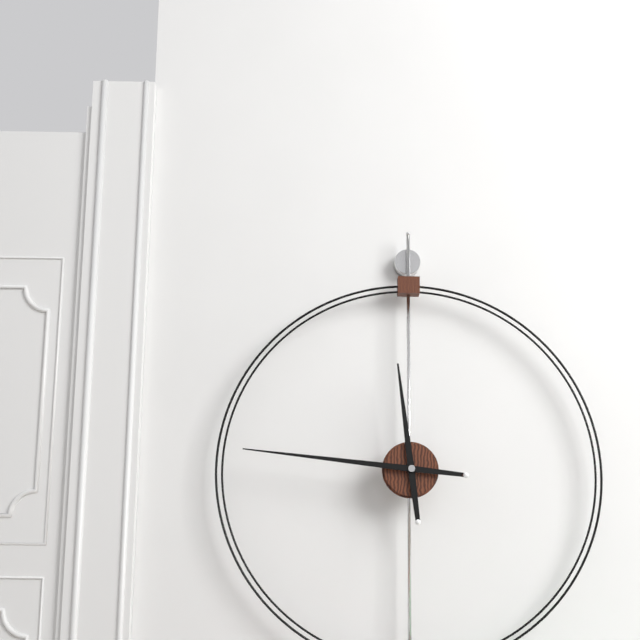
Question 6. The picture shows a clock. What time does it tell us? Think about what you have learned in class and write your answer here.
11:46
